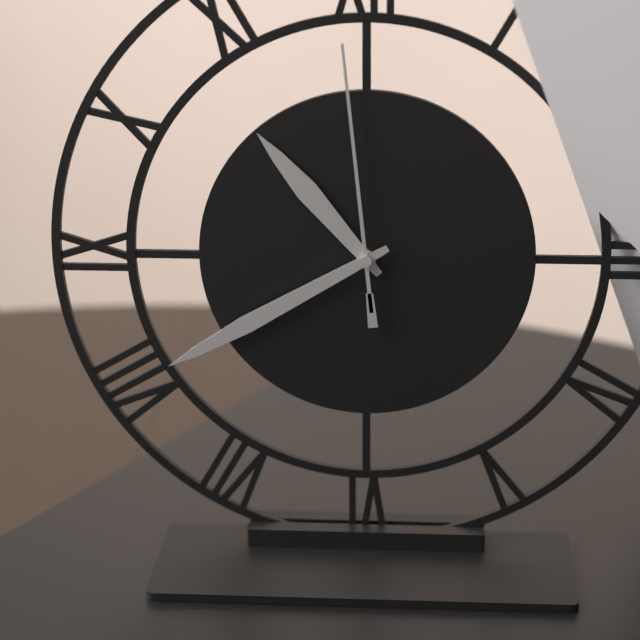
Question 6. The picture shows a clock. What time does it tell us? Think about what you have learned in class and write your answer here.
10:40:59
